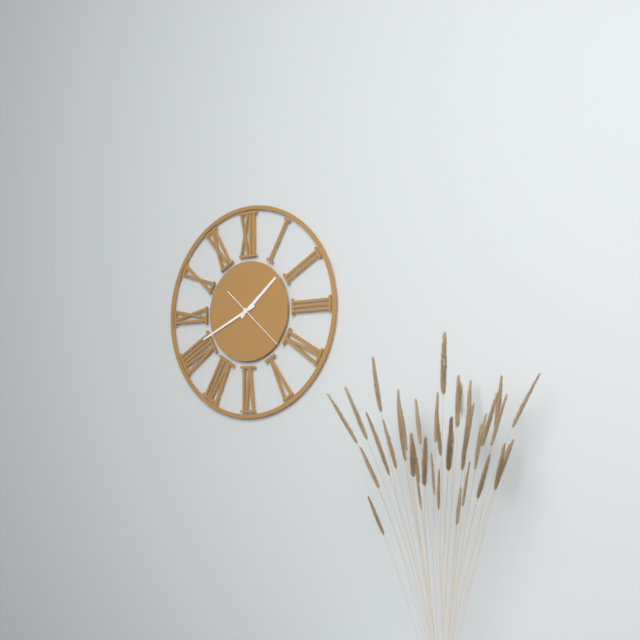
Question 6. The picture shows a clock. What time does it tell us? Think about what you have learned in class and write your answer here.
1:41:22
